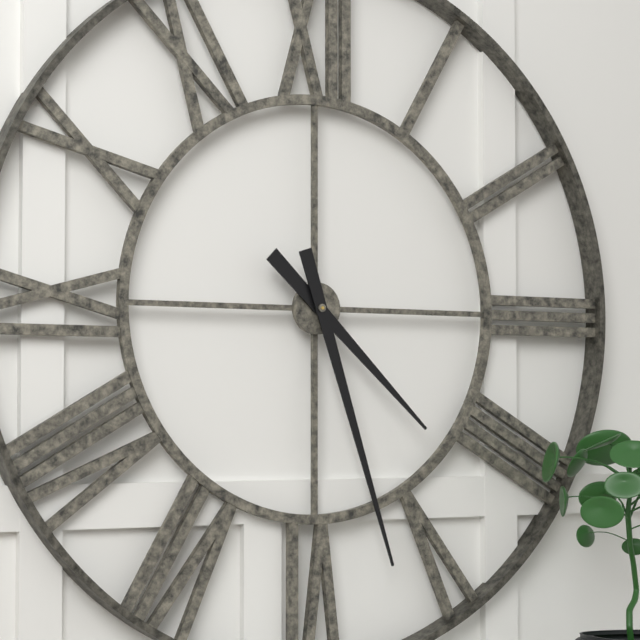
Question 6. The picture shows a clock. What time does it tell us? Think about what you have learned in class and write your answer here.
4:27
